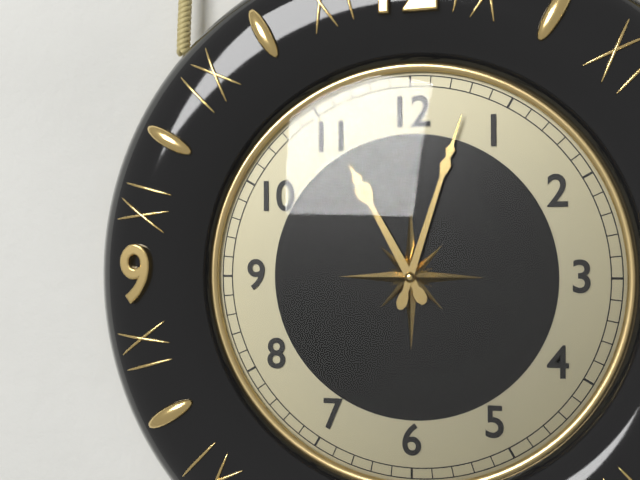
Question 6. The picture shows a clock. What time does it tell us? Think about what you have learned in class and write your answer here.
11:03
